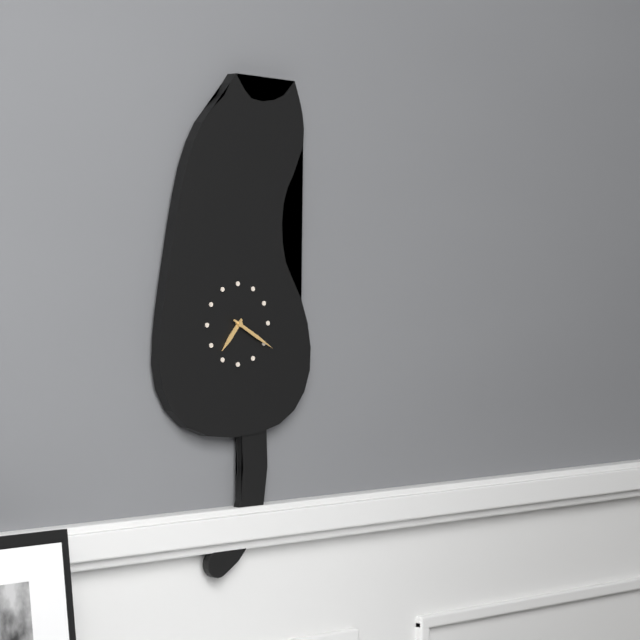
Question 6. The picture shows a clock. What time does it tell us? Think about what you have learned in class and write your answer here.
7:20
